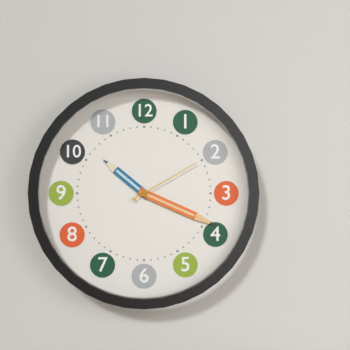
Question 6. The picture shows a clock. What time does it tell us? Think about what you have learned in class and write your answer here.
10:19:10
